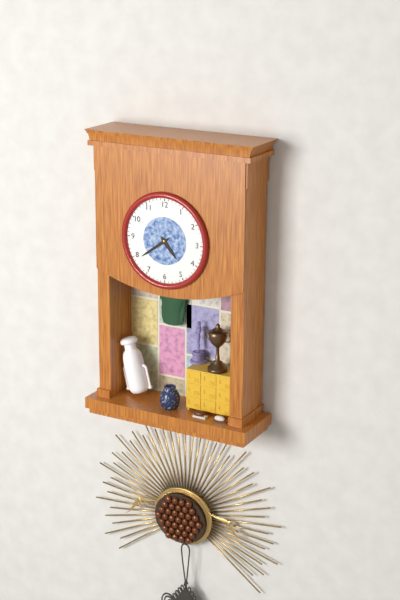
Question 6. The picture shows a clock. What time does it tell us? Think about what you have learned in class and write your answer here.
4:39
